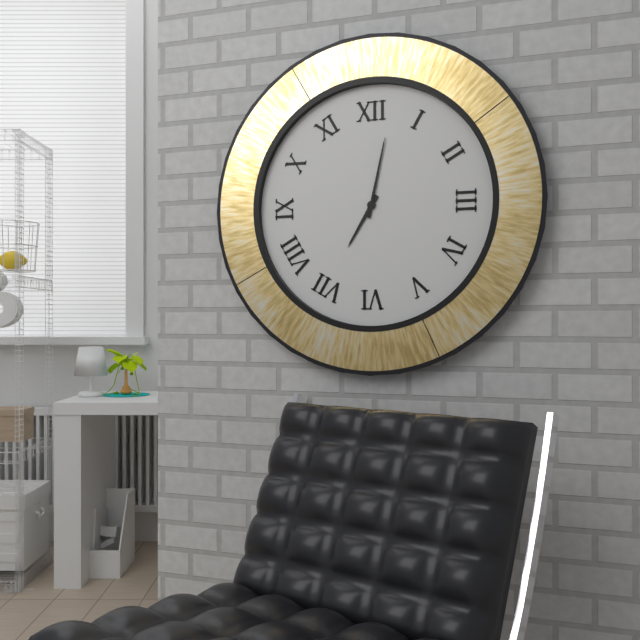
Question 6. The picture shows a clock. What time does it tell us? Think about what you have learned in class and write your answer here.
7:02
